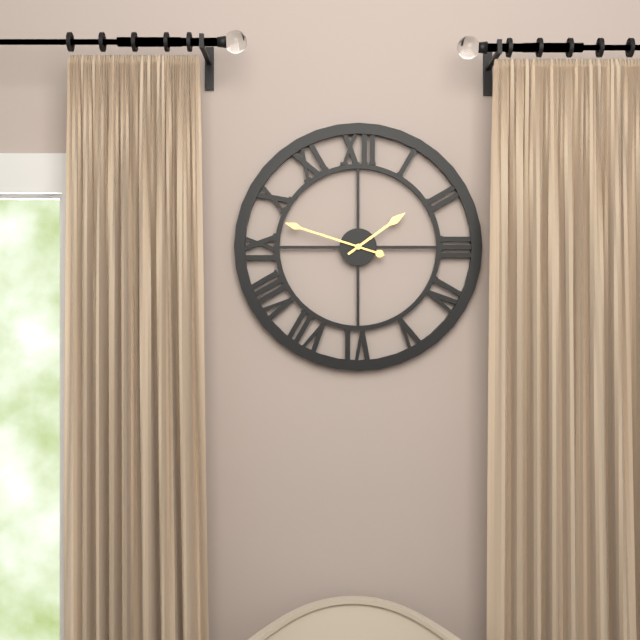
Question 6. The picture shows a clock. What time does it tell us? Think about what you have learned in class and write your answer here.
1:48
